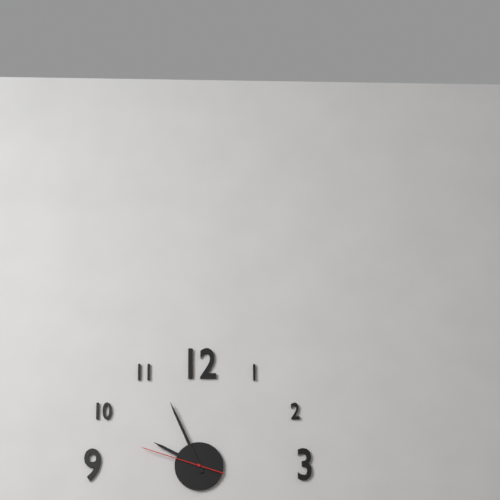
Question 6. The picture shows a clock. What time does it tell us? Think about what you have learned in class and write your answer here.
9:56:48
